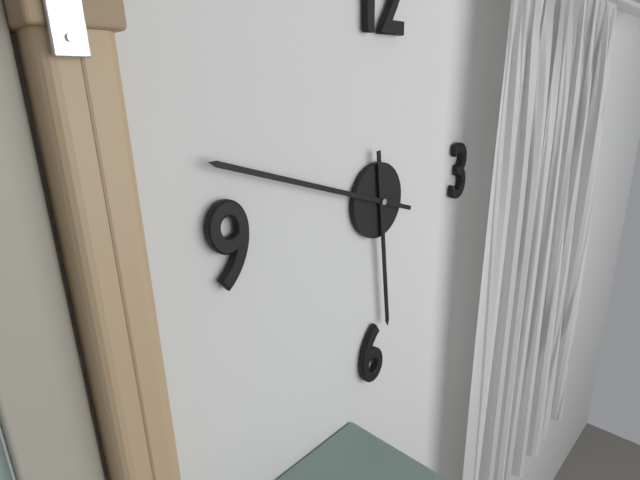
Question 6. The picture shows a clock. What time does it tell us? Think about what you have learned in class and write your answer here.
5:48
